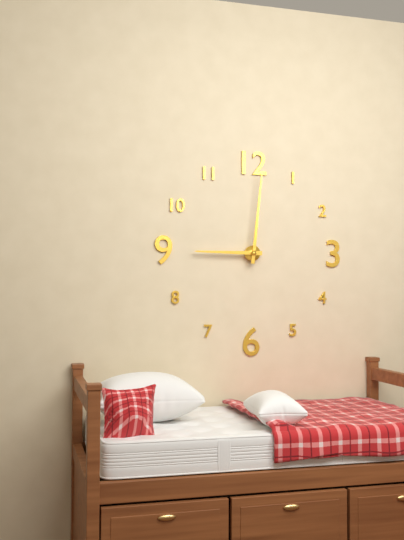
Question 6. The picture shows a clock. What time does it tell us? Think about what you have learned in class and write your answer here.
9:01
